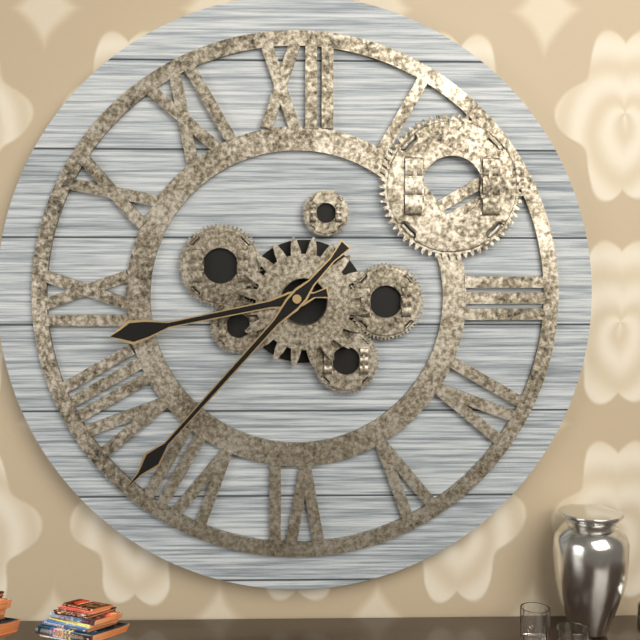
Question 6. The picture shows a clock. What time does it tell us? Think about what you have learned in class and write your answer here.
8:37
